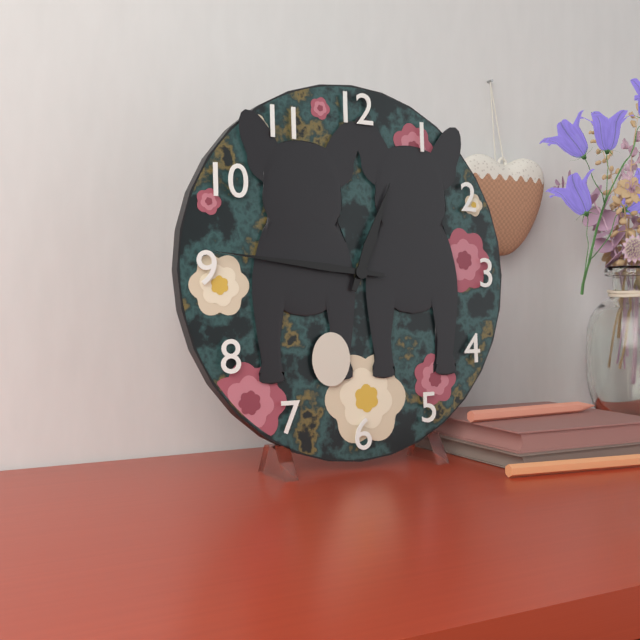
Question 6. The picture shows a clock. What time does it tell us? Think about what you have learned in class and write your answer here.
12:46
